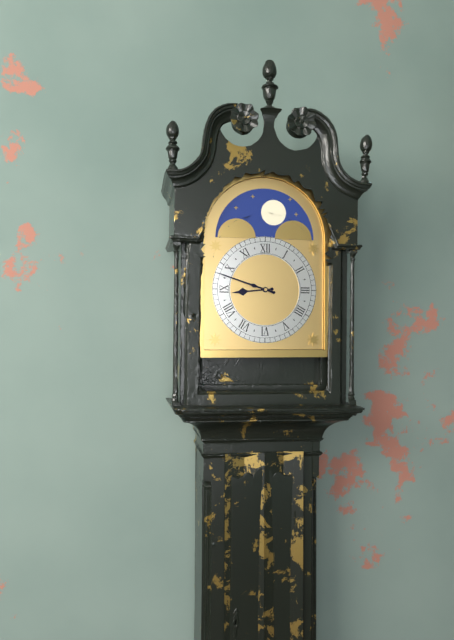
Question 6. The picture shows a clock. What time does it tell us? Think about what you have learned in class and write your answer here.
8:48
